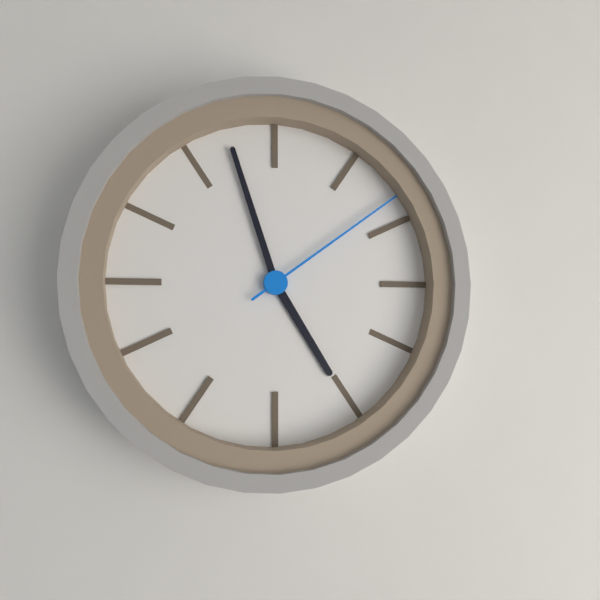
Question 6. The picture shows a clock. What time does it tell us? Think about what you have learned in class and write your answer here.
4:57:09
